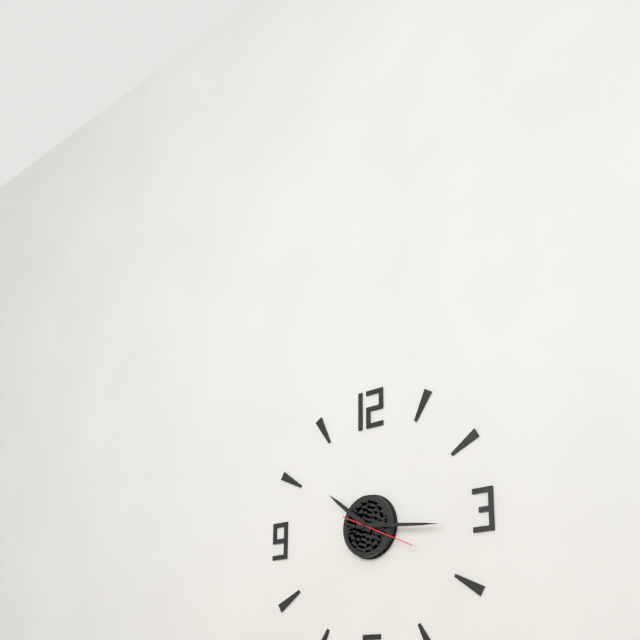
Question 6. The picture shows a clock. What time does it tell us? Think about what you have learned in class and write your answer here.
10:16:19
